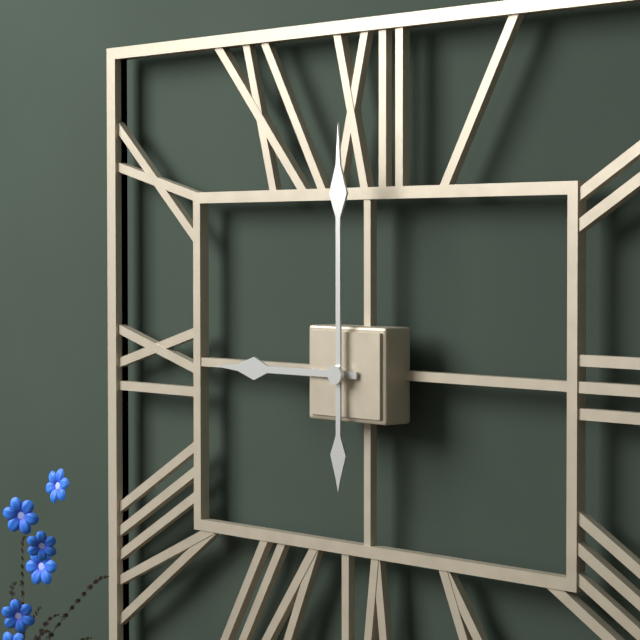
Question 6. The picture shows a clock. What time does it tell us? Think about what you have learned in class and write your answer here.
9:00
